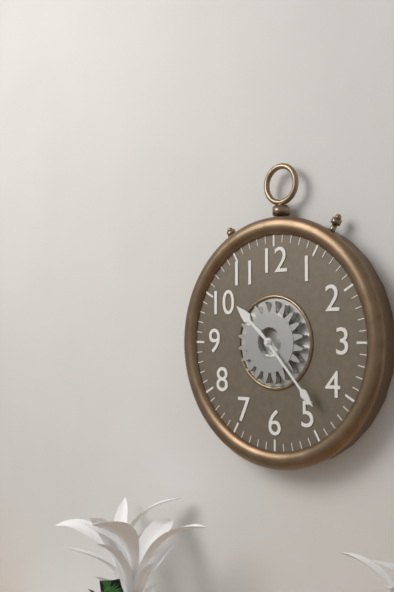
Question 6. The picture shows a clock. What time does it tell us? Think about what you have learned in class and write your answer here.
10:23
